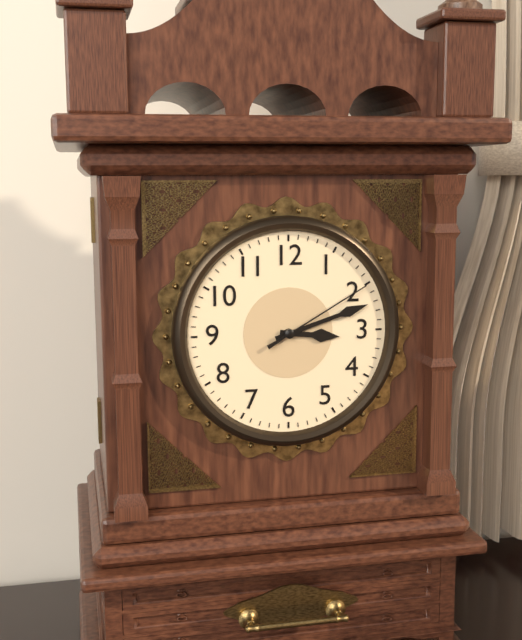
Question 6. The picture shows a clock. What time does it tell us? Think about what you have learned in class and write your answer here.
3:12:10
